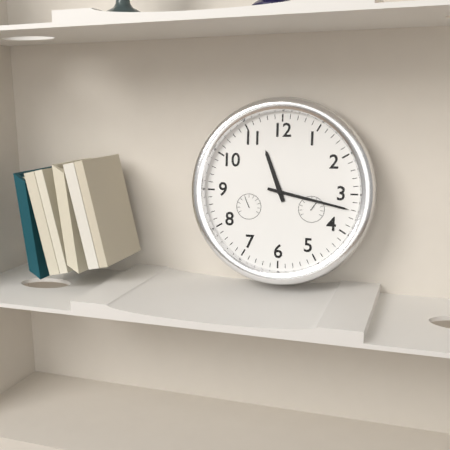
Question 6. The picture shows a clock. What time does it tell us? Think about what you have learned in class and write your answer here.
11:17
